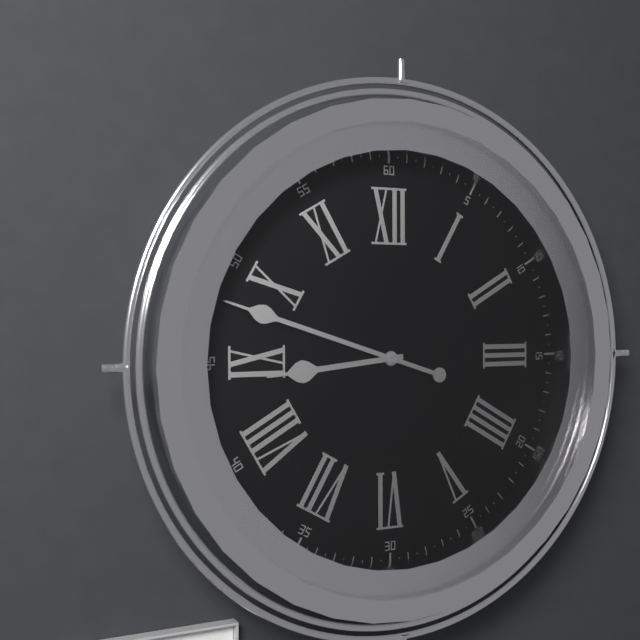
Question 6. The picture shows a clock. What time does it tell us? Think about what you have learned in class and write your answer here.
8:48
